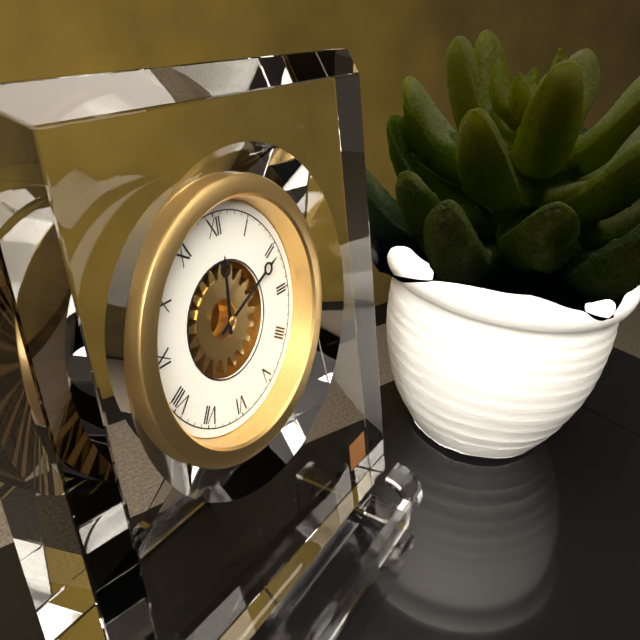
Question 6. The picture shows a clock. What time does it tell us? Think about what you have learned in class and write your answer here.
12:11
